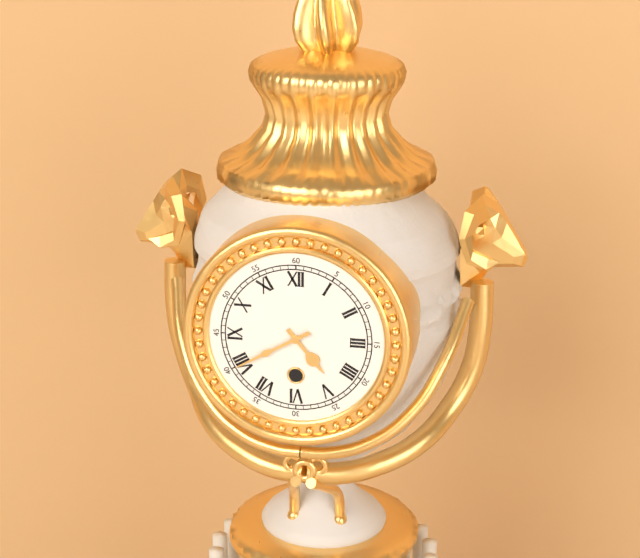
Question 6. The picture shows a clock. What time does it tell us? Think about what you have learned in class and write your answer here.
4:40
